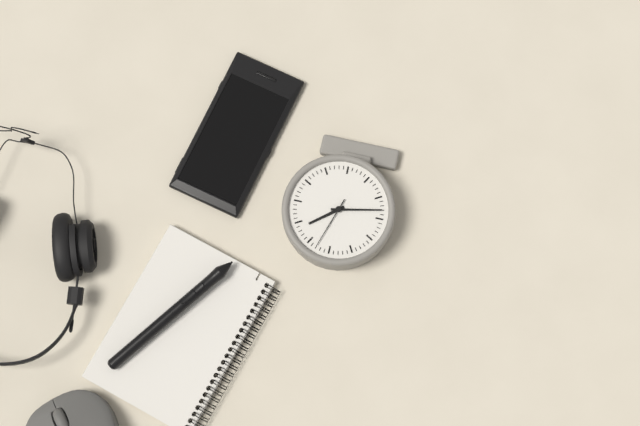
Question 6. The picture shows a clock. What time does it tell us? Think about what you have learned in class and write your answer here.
1:43:03
